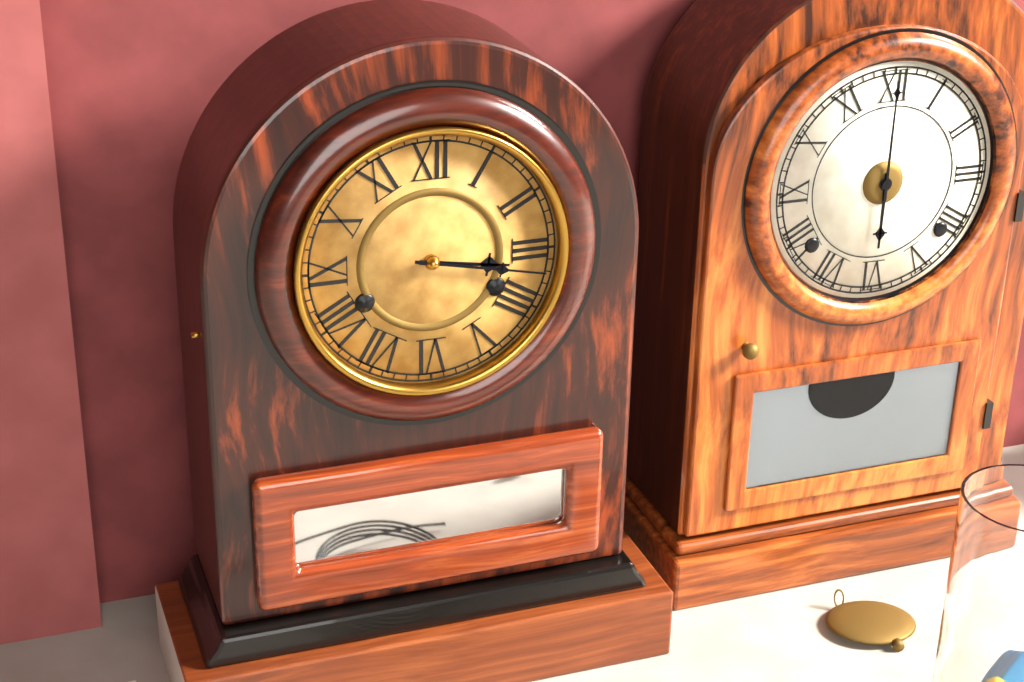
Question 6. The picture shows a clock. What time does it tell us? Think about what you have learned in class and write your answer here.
3:17
